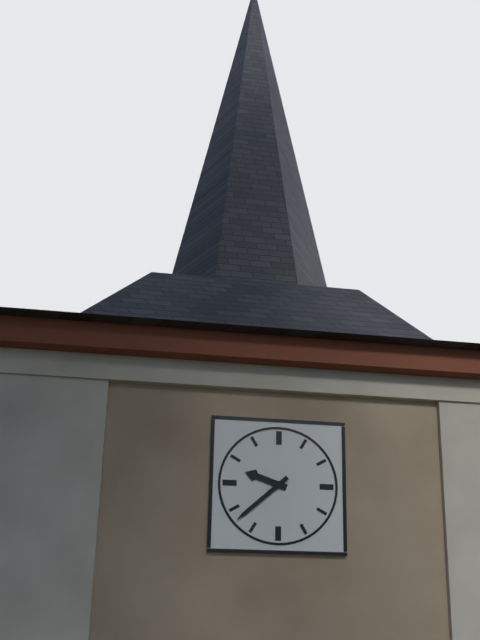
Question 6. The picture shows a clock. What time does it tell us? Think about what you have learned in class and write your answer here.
9:38
